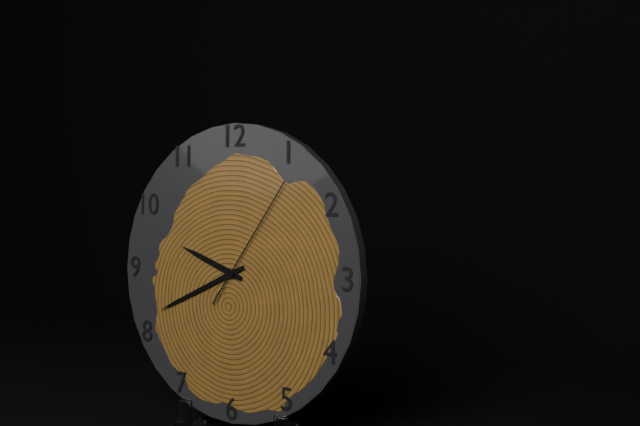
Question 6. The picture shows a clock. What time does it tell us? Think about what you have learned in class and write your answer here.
9:41:06
